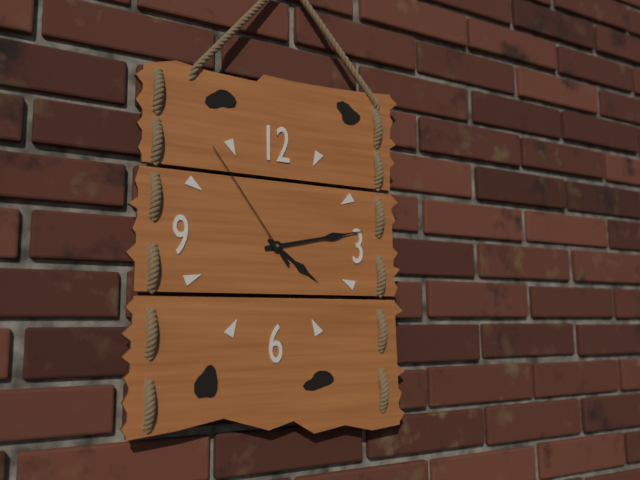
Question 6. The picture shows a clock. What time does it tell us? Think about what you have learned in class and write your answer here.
4:13:54
